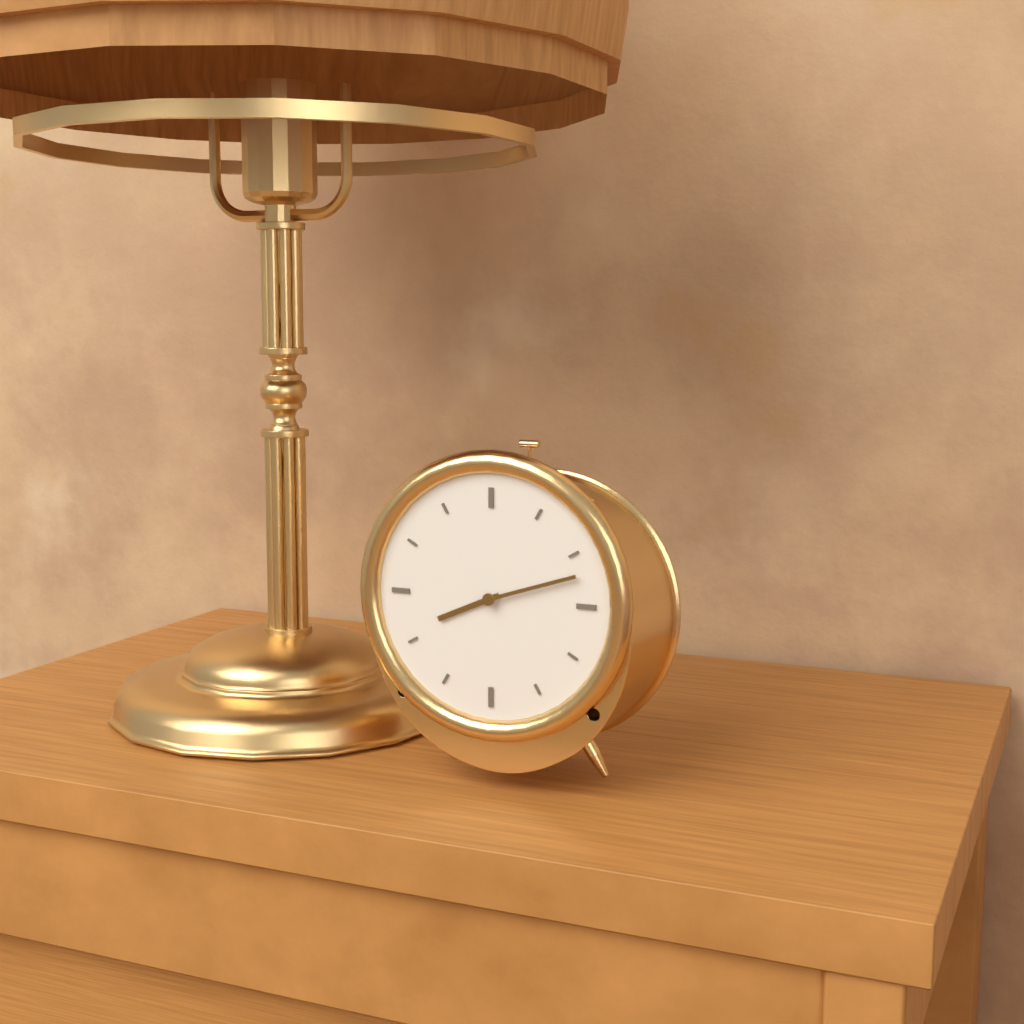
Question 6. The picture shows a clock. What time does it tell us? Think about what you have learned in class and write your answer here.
8:12
